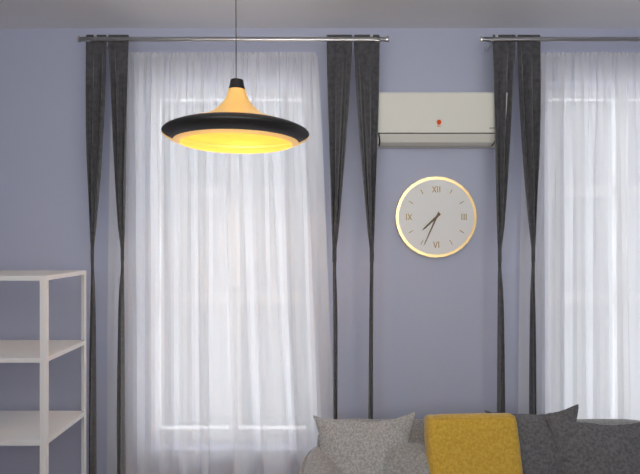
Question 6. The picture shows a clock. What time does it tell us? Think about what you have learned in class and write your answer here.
7:34
